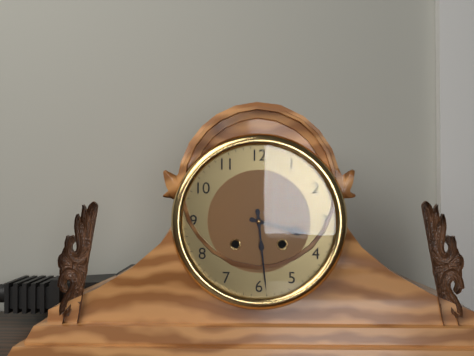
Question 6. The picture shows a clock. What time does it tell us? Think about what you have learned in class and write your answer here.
3:29
